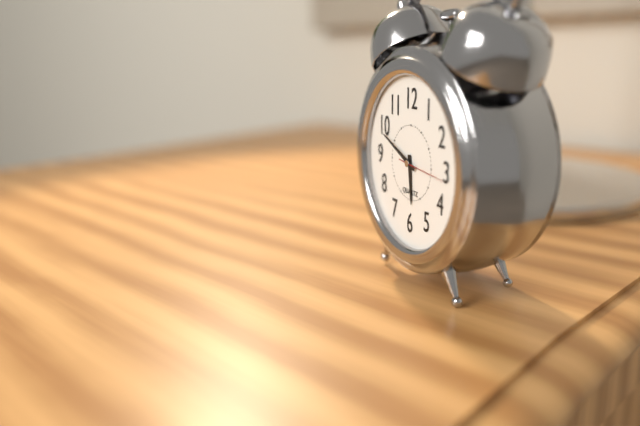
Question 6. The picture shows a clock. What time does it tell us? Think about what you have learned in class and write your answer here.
5:49:16
